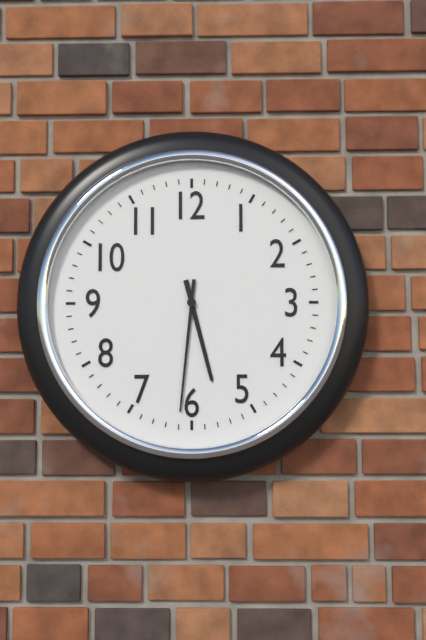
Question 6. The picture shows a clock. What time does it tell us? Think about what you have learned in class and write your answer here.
5:31
